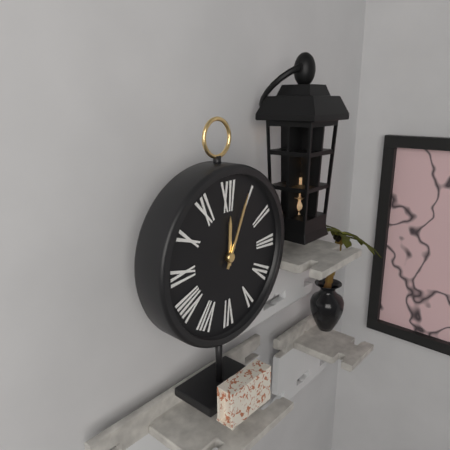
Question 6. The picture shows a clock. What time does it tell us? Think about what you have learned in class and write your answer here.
12:04
